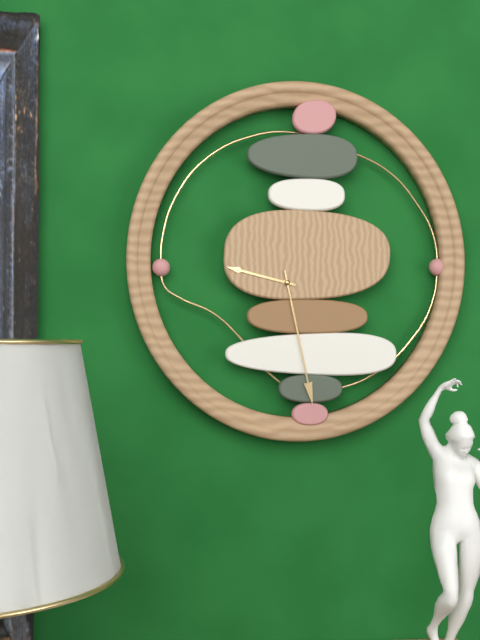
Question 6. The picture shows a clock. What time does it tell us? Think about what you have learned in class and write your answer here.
9:28
